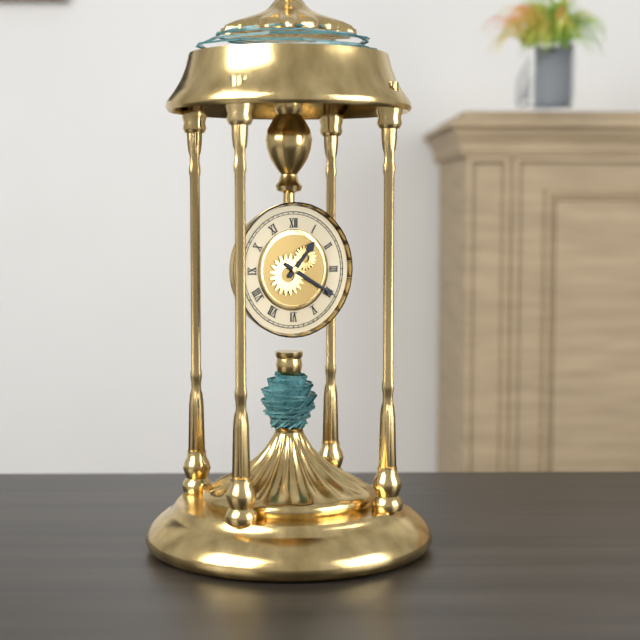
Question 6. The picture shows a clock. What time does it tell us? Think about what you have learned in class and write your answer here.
1:20
